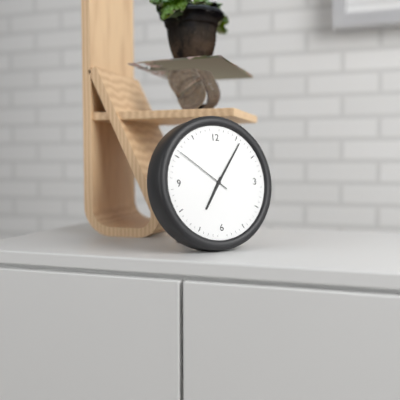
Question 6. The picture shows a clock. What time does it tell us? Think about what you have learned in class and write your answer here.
7:06:51
